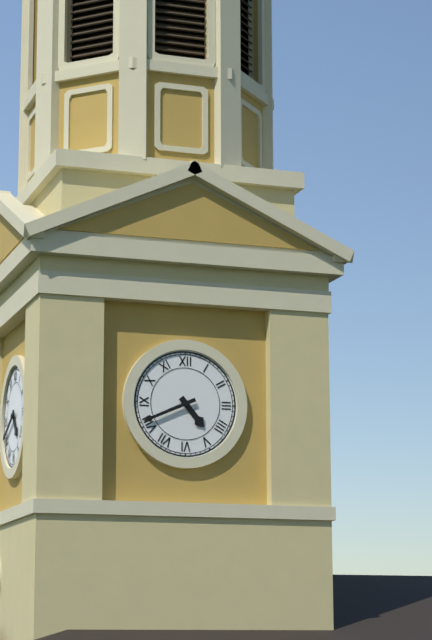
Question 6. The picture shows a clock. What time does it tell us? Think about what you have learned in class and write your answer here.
4:41
